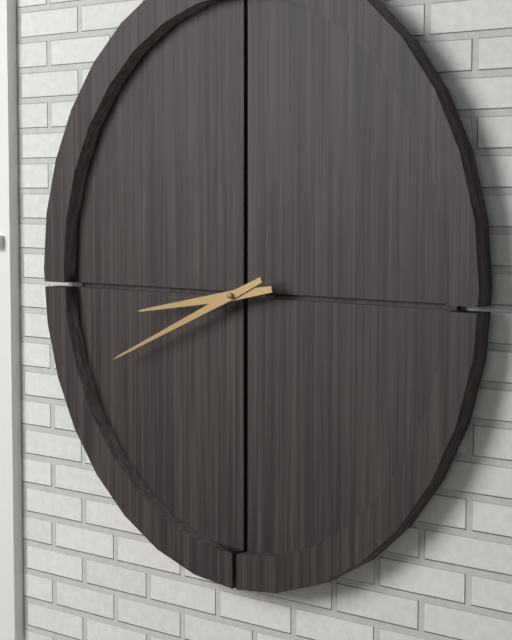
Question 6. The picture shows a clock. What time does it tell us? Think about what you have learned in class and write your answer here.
8:41
